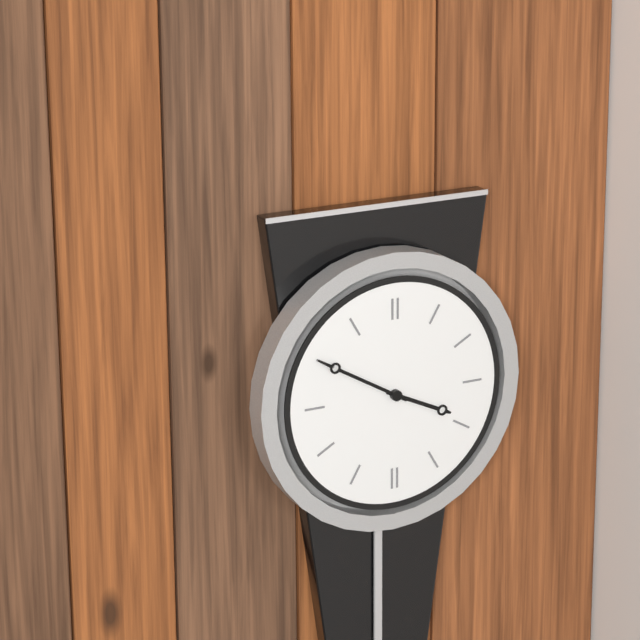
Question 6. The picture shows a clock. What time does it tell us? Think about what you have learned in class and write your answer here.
3:50
